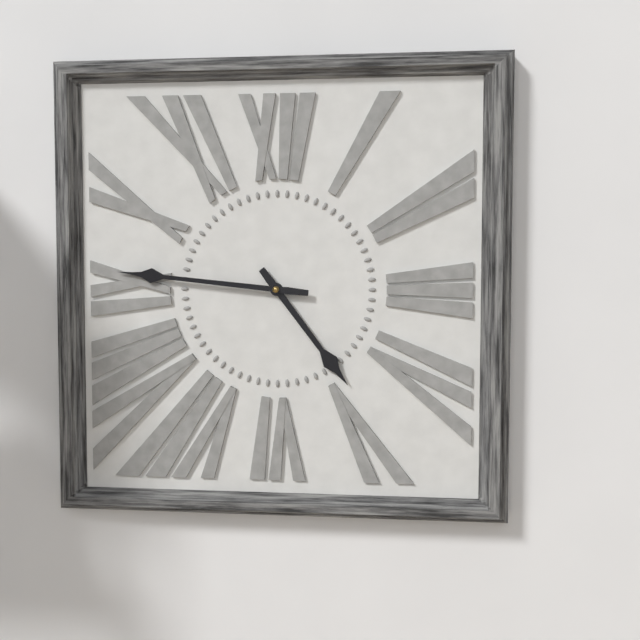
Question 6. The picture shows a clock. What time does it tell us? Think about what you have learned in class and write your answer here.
4:46
